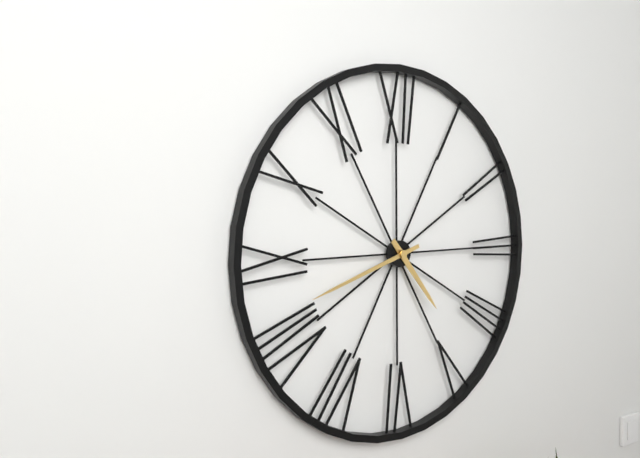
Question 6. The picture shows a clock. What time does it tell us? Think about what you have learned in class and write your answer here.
4:42
